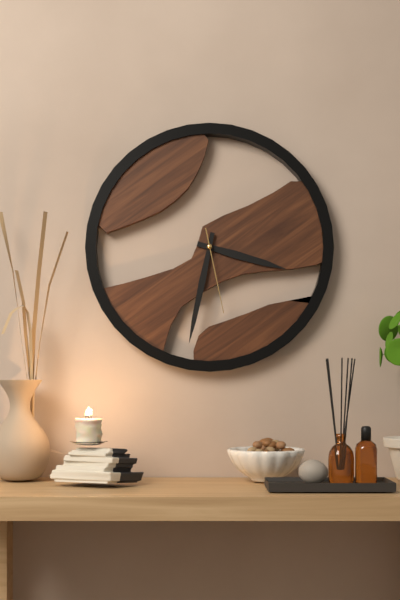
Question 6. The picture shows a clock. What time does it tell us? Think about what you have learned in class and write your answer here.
3:32:28
